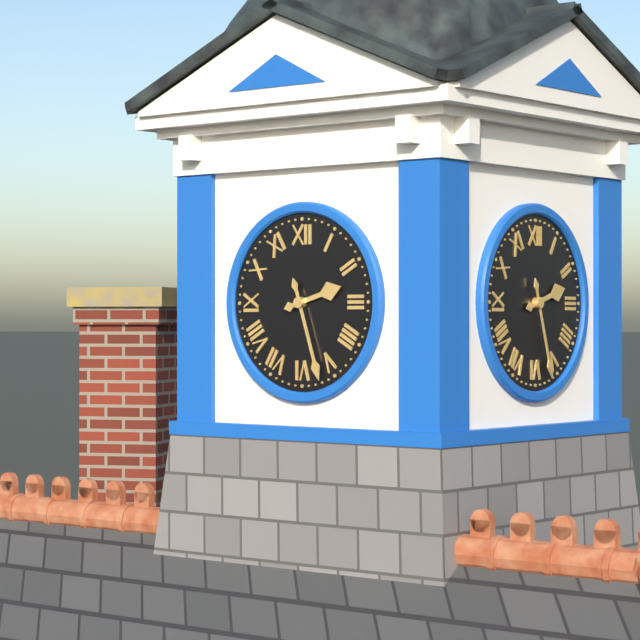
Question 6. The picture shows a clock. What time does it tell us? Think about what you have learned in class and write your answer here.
2:27
